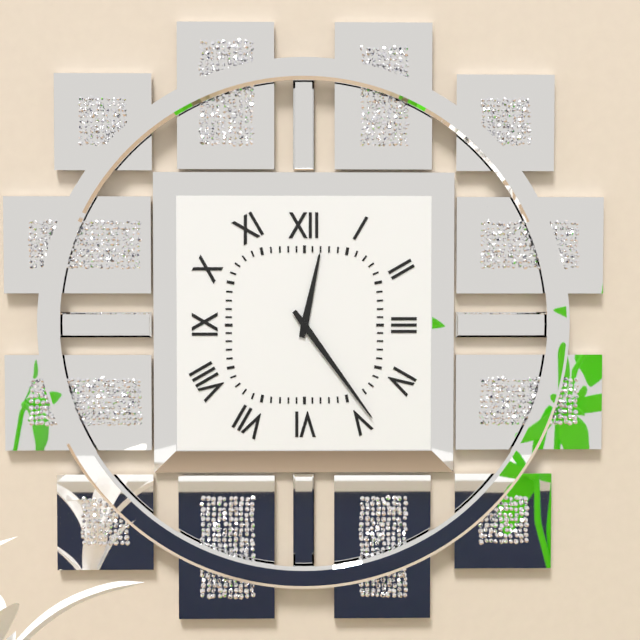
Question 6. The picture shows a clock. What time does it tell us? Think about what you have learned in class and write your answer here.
12:24
